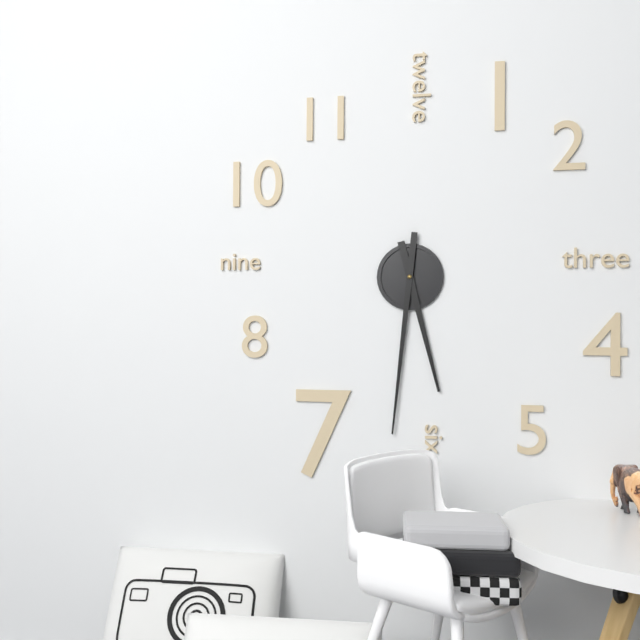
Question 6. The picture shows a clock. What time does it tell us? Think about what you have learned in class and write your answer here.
5:31
